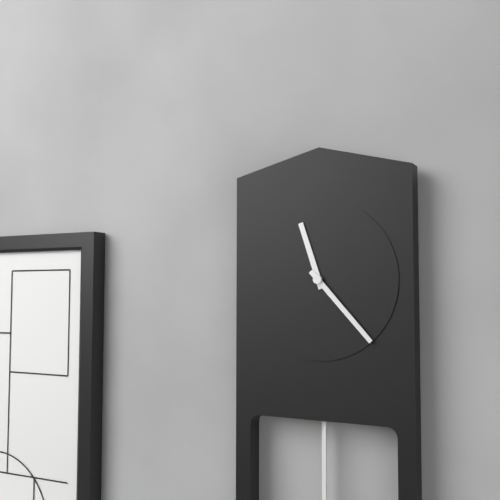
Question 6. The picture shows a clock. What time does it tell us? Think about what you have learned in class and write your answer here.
11:23
